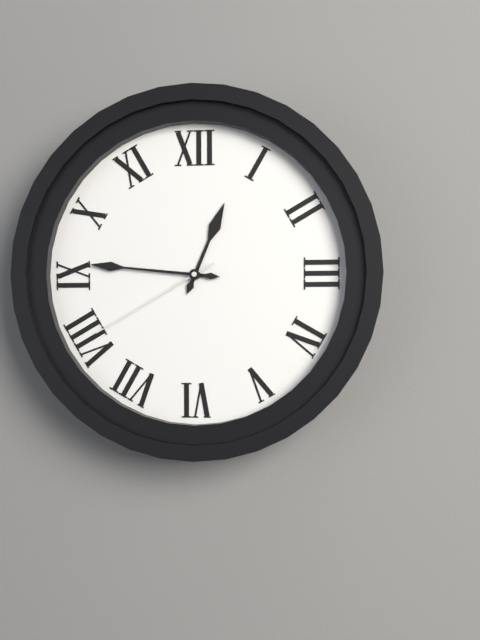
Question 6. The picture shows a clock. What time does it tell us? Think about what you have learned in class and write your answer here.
12:46:40
